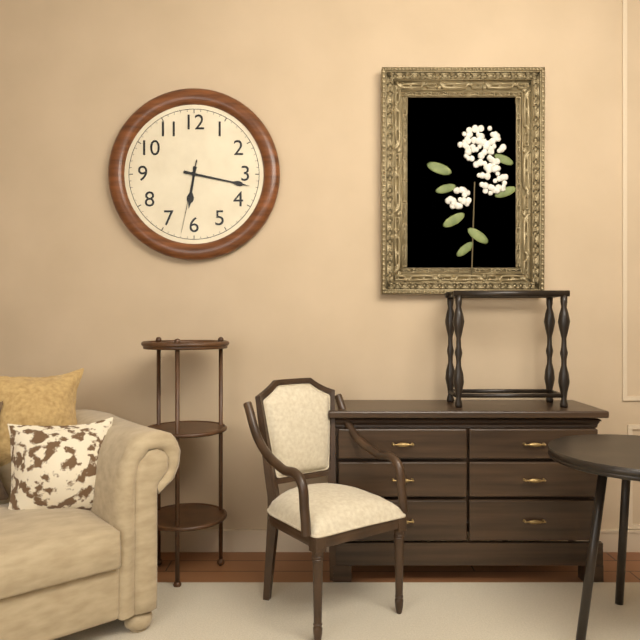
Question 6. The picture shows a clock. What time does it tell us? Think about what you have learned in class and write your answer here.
6:17:32
